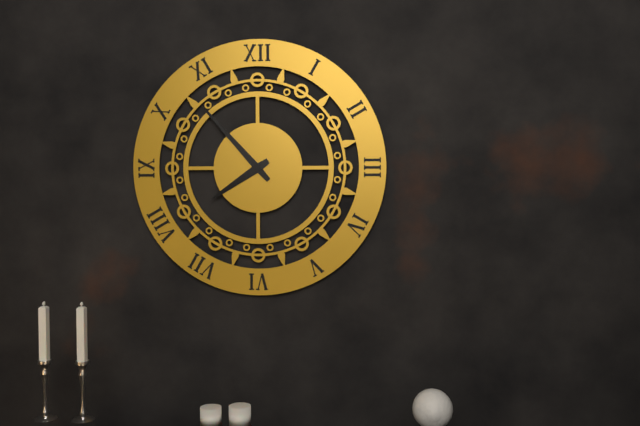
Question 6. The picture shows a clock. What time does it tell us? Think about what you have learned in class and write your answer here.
7:53
